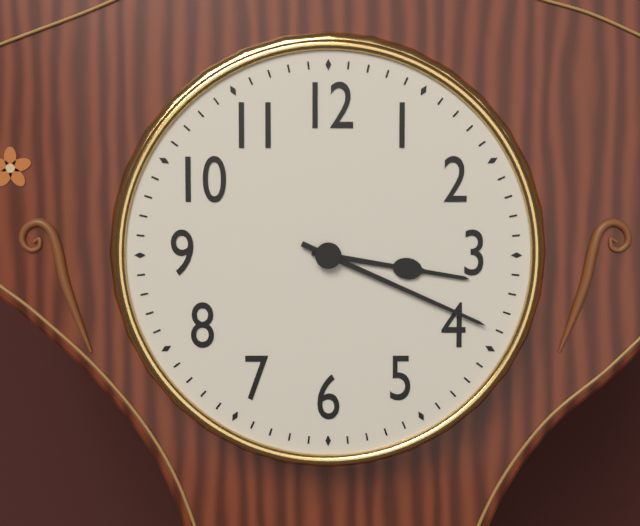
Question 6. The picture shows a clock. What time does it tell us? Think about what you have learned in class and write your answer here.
3:19
